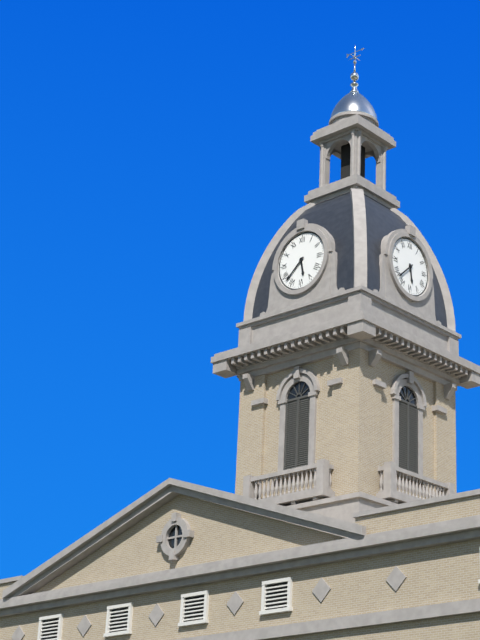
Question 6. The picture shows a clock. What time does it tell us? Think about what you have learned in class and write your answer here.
5:38
